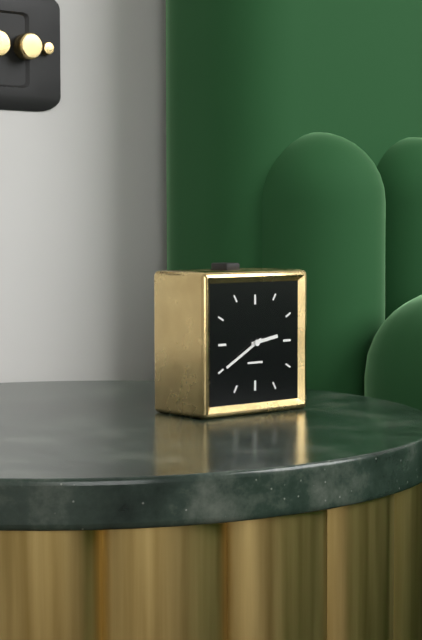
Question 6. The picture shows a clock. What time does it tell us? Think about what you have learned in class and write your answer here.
2:40
